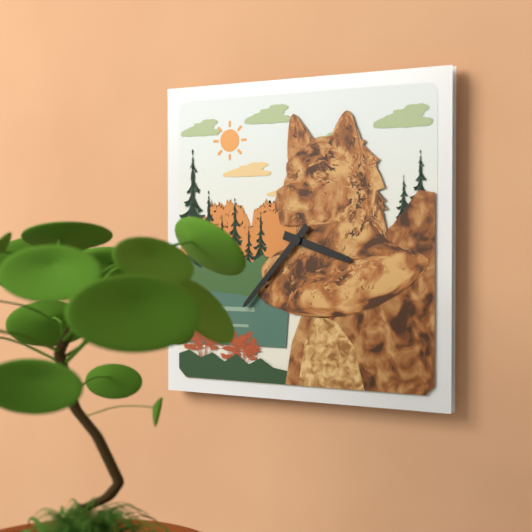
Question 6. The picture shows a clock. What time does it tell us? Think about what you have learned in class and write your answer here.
3:37
